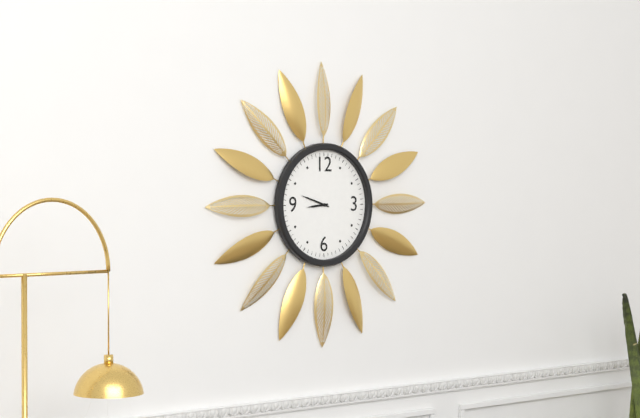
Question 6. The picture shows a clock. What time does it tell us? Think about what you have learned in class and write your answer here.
8:48
